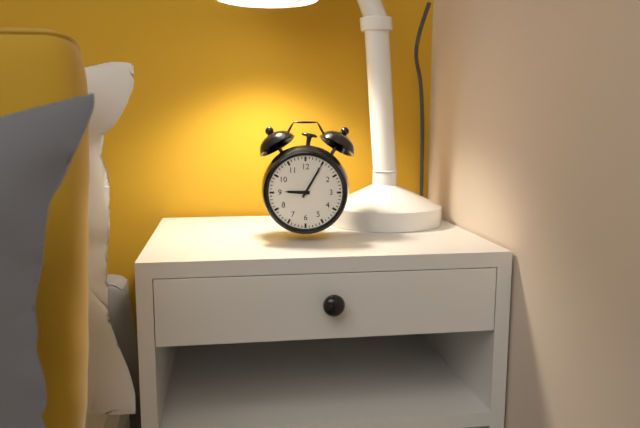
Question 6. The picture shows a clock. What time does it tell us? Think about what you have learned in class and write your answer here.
9:05
